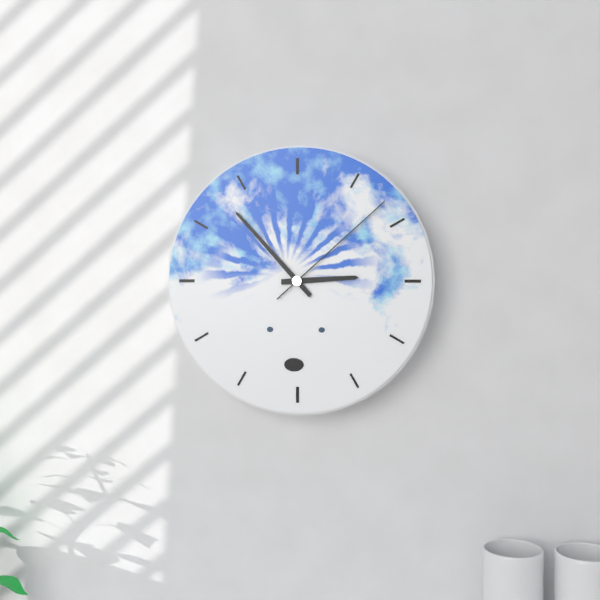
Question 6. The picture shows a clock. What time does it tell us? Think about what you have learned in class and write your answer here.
2:53:08
